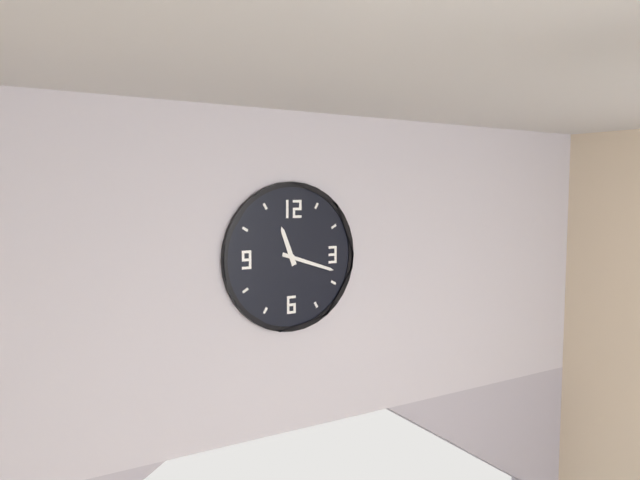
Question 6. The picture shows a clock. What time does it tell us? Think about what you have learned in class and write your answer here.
11:18
